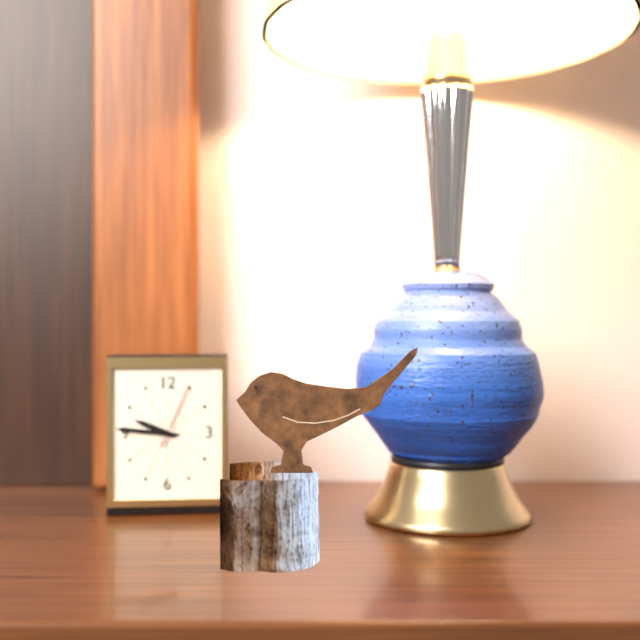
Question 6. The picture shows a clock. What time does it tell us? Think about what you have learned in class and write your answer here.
9:46:04
